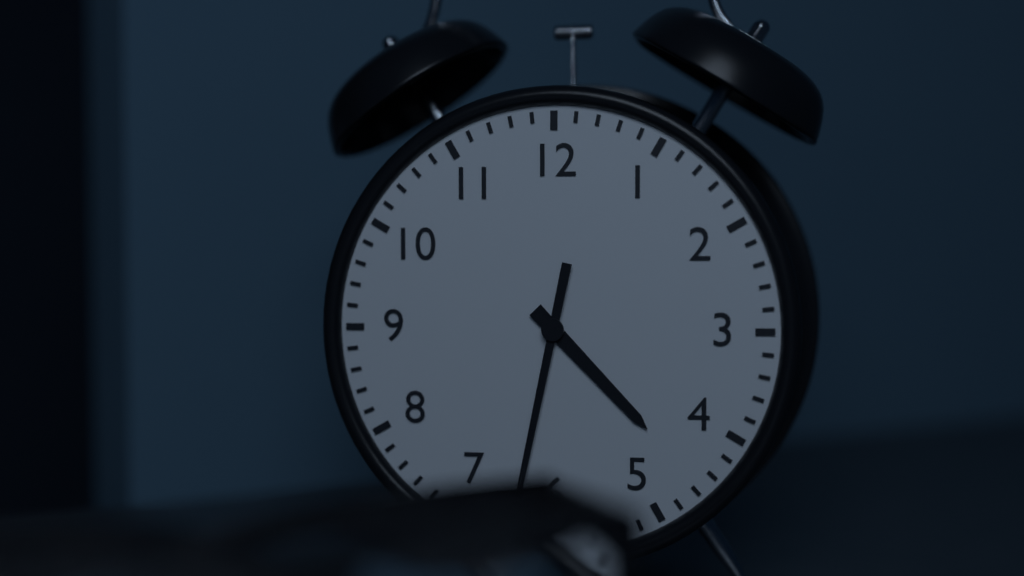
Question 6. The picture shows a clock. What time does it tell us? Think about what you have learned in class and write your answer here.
4:32
